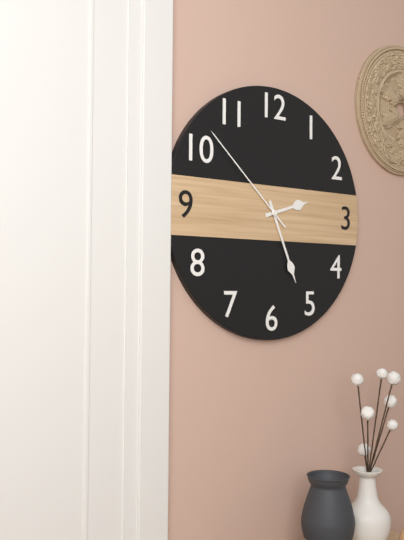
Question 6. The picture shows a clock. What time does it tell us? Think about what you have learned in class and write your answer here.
2:26:52
